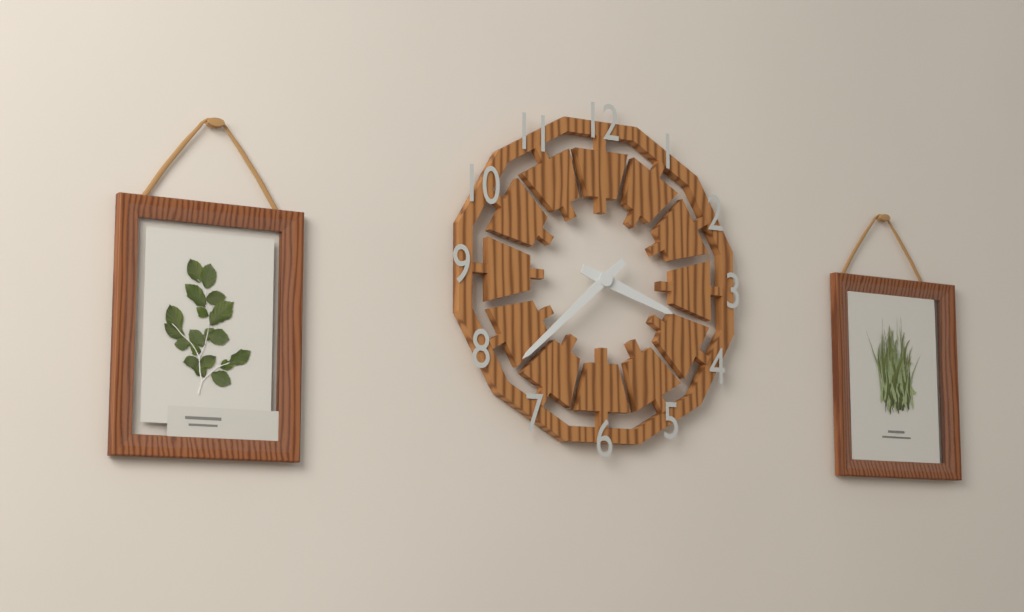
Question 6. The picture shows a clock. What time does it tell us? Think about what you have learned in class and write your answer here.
3:38
